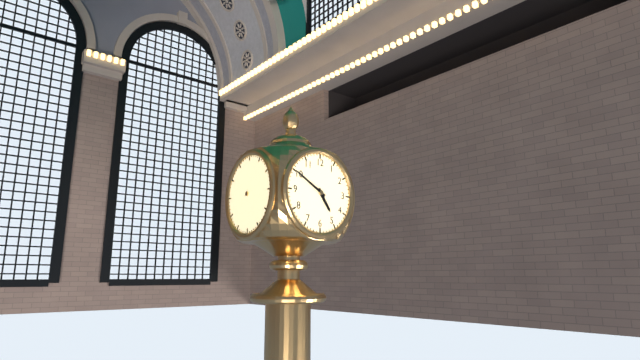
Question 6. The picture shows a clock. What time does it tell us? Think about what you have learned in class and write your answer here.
4:50
